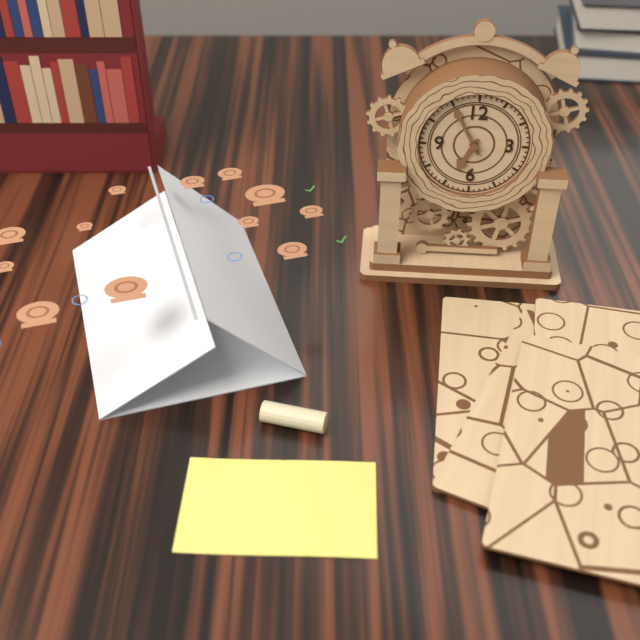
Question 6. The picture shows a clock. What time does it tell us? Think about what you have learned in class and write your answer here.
6:55
